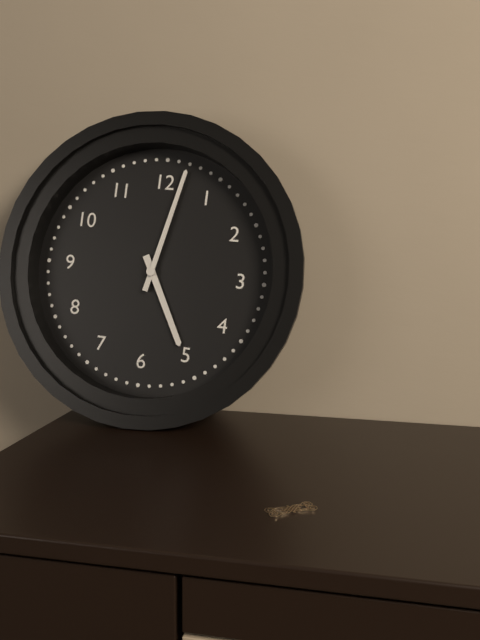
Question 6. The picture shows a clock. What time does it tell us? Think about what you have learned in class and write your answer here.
5:02
